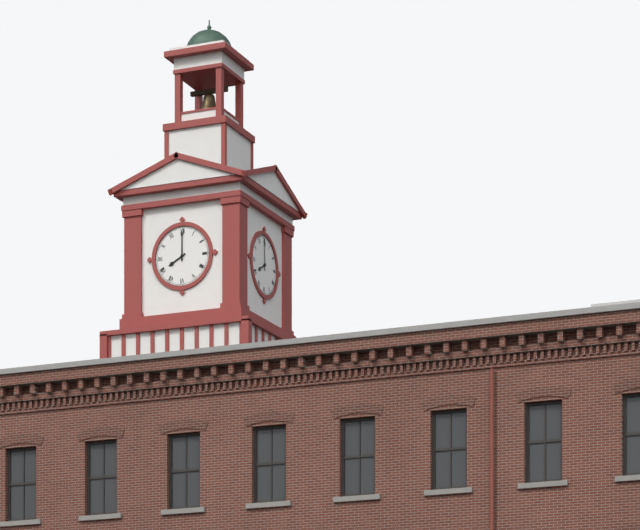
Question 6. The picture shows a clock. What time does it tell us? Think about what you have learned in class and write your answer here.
8:00
